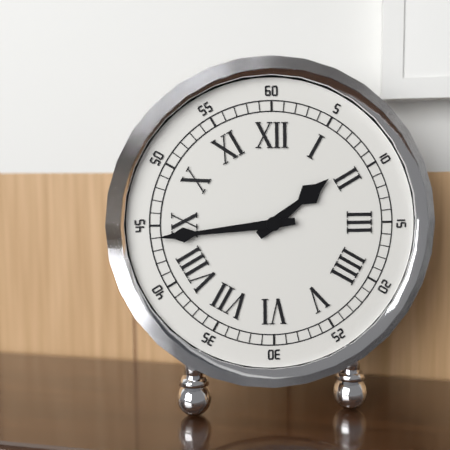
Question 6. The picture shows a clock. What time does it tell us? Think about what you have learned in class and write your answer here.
1:44
